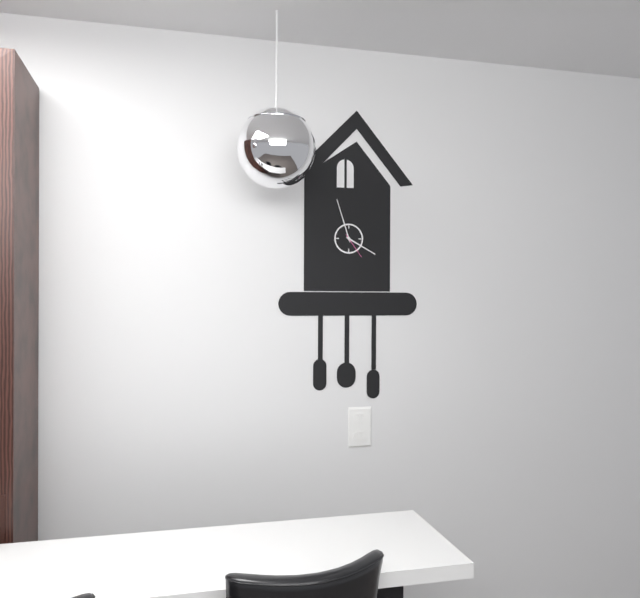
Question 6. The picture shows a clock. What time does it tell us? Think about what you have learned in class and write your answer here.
3:57
